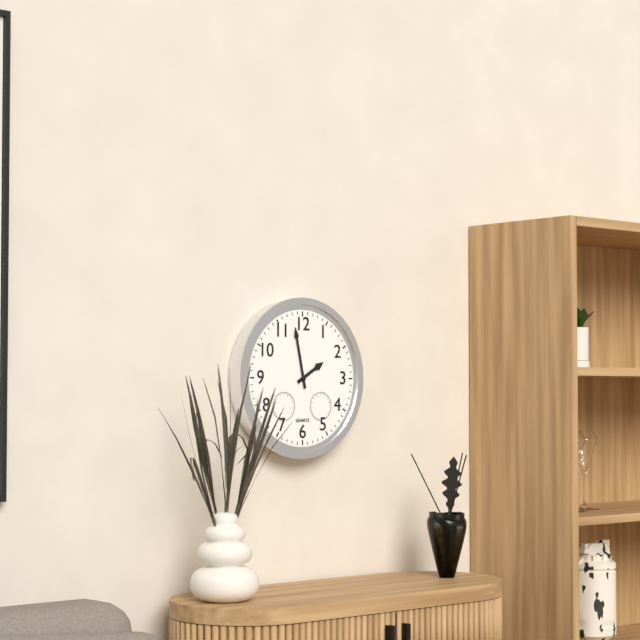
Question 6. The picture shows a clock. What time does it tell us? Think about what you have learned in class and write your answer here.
1:58
